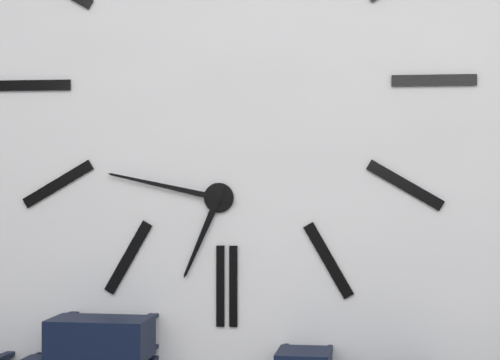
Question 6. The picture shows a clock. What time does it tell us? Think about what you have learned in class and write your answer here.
6:47
